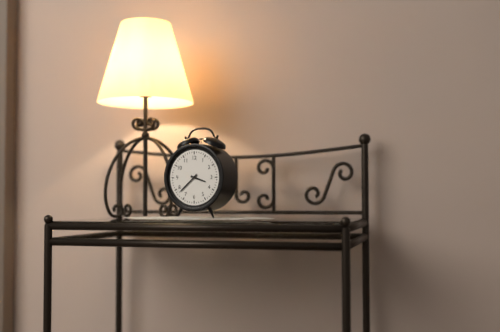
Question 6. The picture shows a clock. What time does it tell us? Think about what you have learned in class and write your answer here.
3:38
